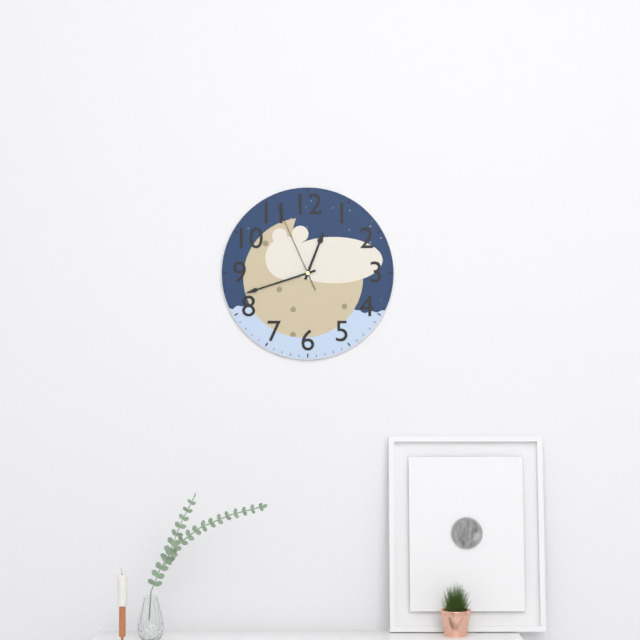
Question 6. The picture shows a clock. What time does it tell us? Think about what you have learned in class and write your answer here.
12:42:56
